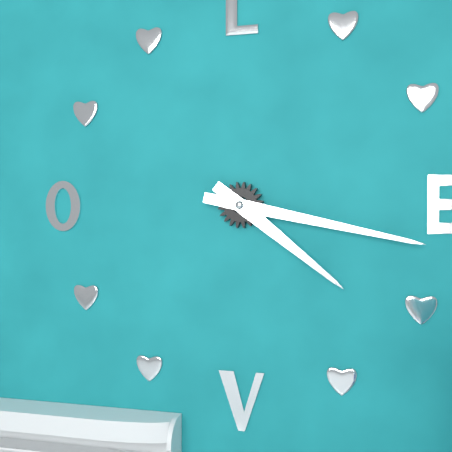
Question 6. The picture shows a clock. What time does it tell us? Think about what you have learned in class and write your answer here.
4:17
